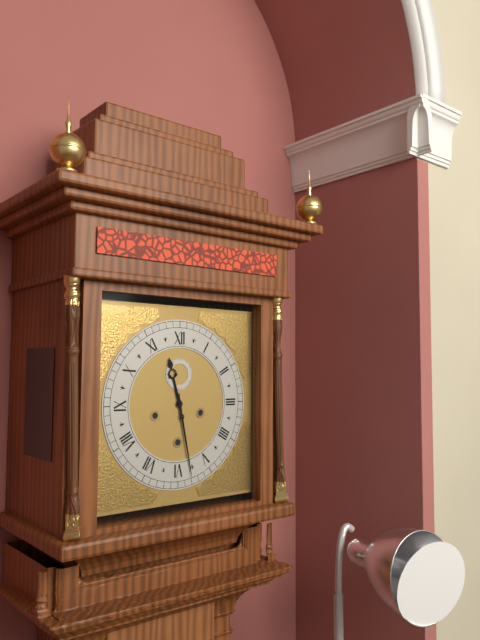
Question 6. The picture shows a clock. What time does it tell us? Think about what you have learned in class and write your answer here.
11:28
